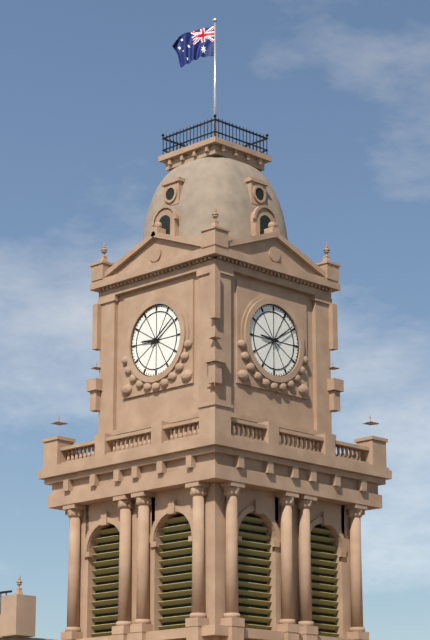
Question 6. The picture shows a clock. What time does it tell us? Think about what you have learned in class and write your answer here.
9:09
